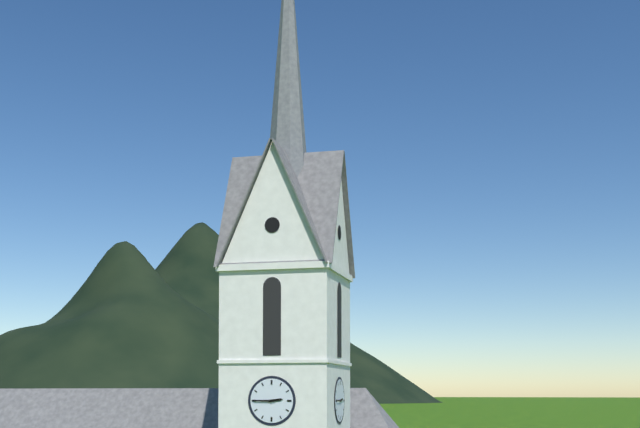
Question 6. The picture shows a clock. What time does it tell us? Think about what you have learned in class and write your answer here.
2:45
